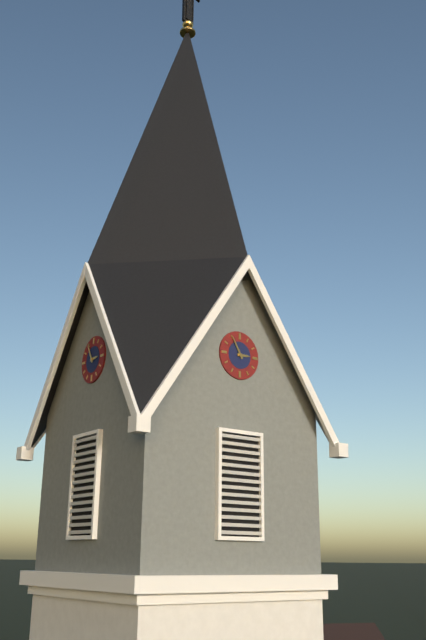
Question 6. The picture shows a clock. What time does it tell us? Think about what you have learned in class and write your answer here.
2:55
